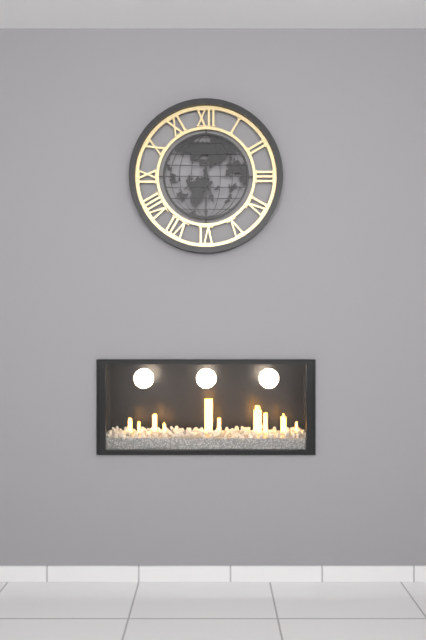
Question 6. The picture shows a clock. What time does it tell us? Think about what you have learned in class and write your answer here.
5:30
